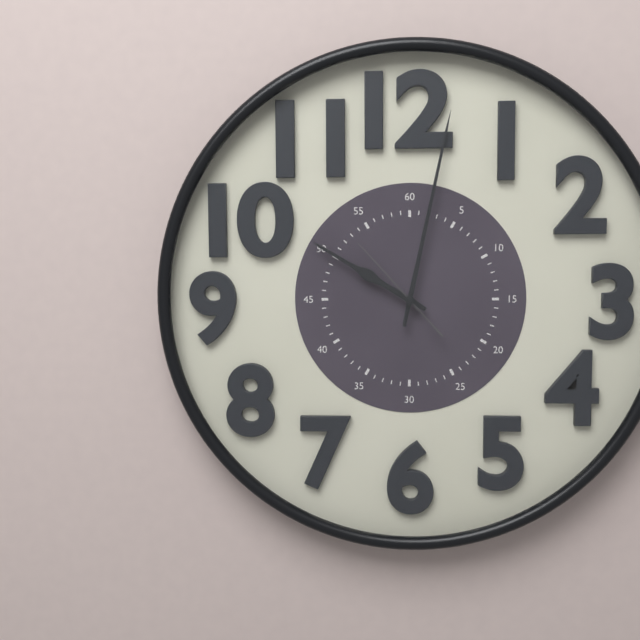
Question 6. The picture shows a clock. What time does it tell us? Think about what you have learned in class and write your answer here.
10:02:53
